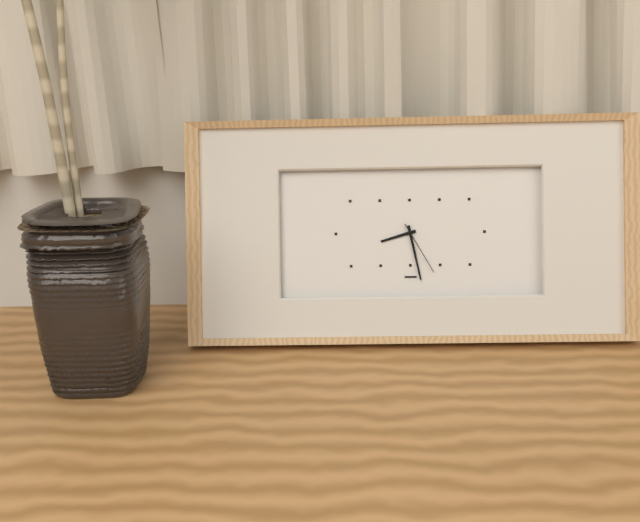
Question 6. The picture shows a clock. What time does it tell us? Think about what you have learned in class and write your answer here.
8:28:25
